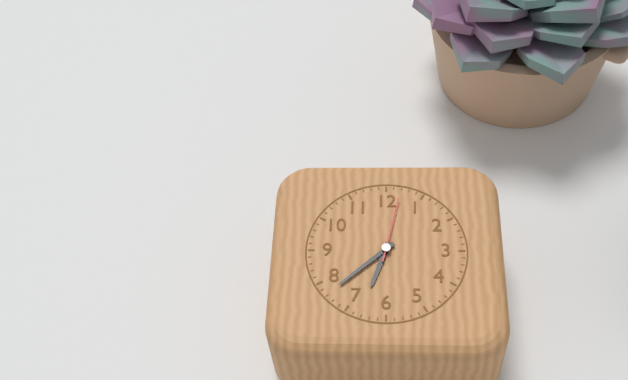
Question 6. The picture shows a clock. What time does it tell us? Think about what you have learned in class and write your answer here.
6:38:02
